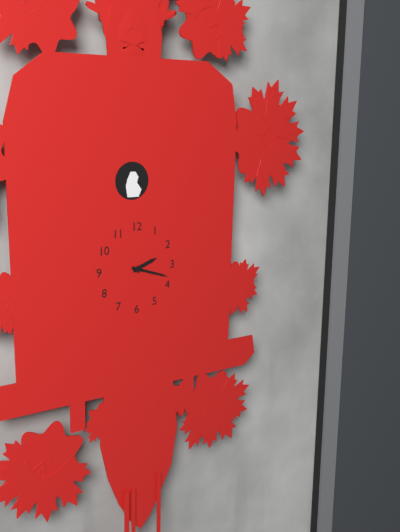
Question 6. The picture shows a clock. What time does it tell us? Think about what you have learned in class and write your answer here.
2:18
